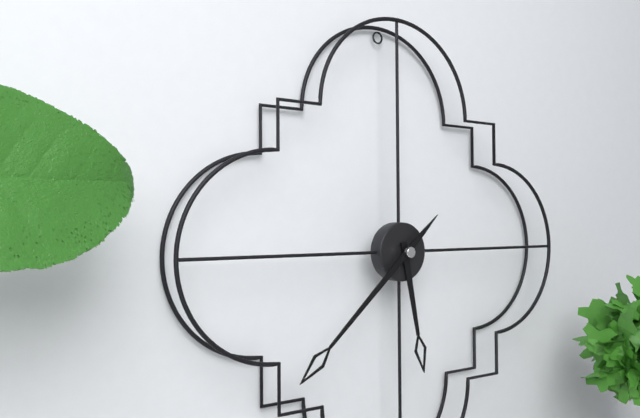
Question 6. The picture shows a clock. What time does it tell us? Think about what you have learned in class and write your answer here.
5:38
